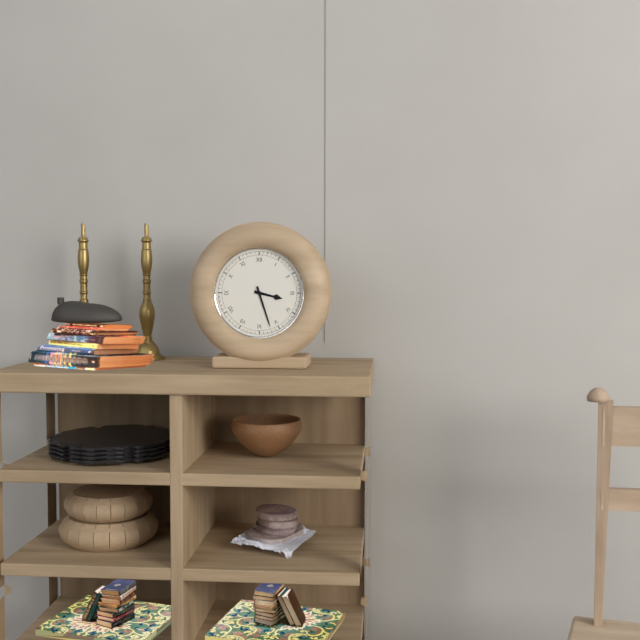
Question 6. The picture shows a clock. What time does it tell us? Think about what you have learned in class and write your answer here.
3:27
